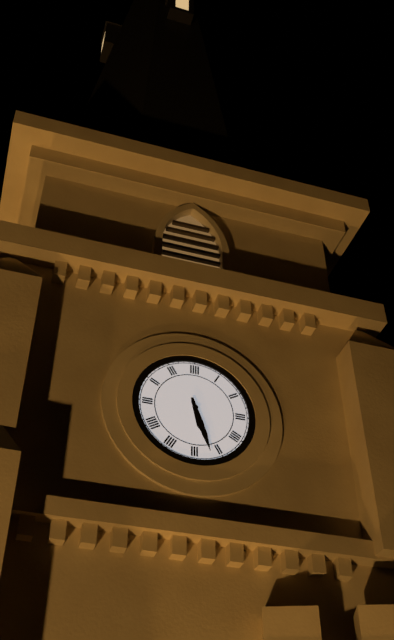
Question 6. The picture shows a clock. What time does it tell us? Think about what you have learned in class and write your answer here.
5:27
